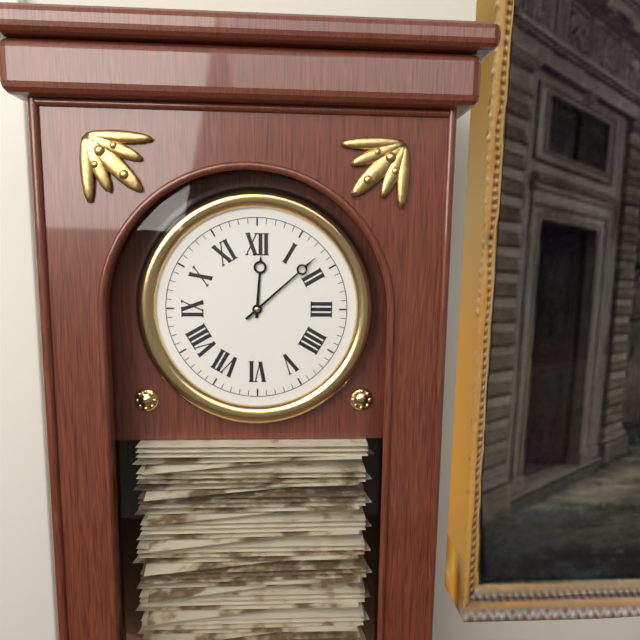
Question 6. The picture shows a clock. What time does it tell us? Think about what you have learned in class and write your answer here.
12:08
